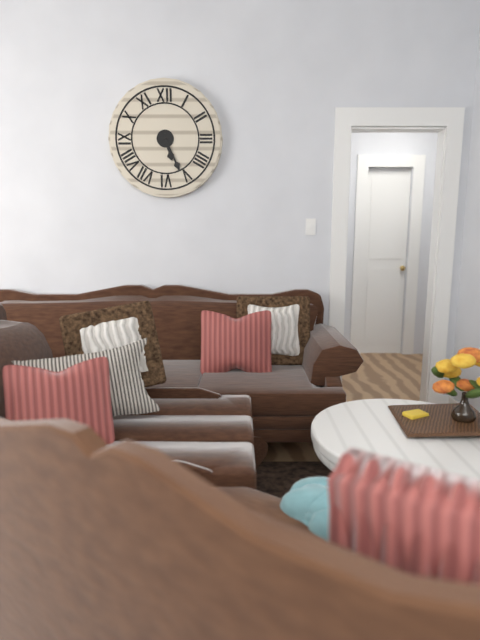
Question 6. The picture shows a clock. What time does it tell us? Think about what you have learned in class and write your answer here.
5:26
